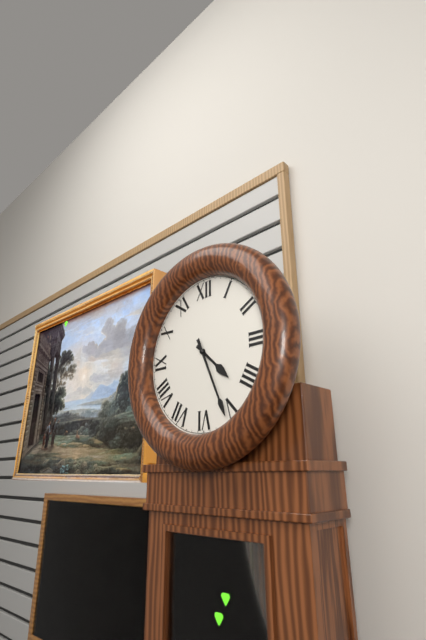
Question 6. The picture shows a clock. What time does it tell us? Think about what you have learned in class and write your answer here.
4:26
